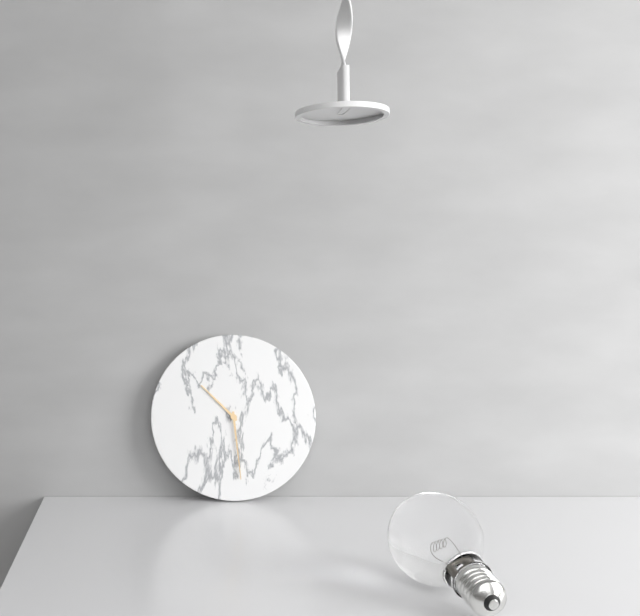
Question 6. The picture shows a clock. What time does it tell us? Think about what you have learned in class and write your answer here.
10:29
